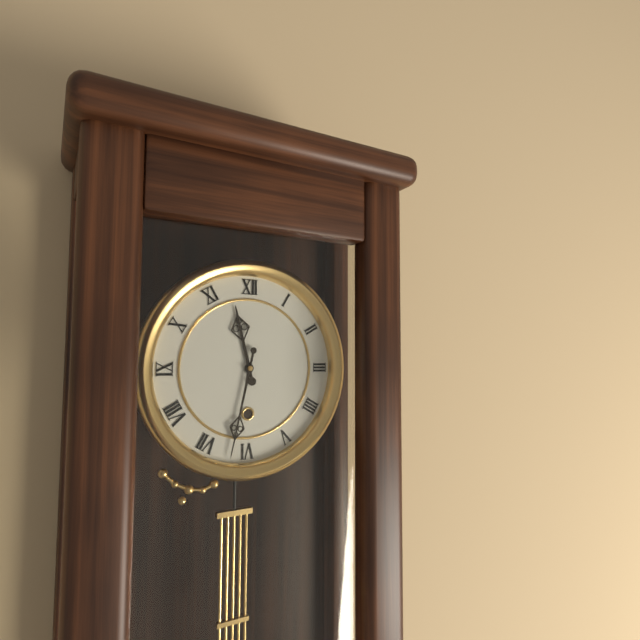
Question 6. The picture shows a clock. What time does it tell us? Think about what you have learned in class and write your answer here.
11:32
